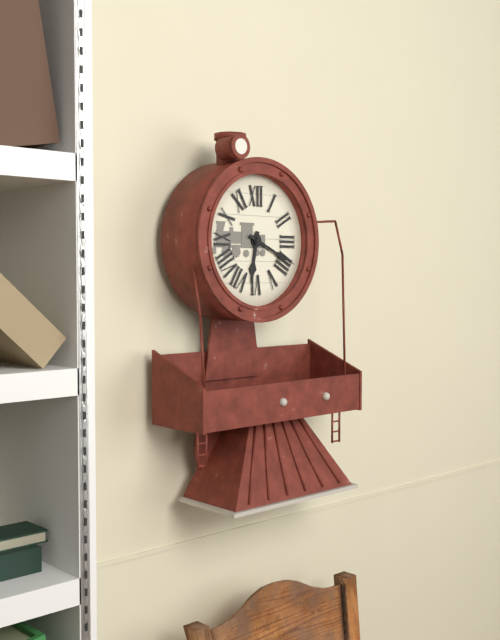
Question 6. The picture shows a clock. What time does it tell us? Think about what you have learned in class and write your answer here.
6:19
